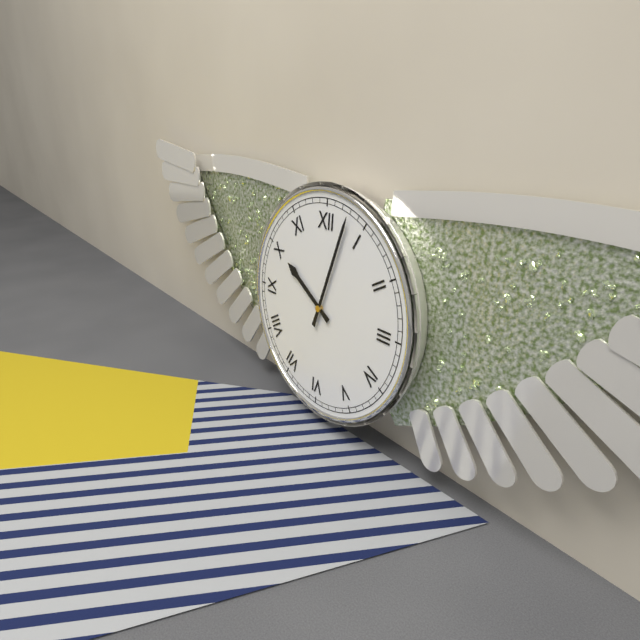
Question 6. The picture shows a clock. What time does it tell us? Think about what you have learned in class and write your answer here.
10:03
